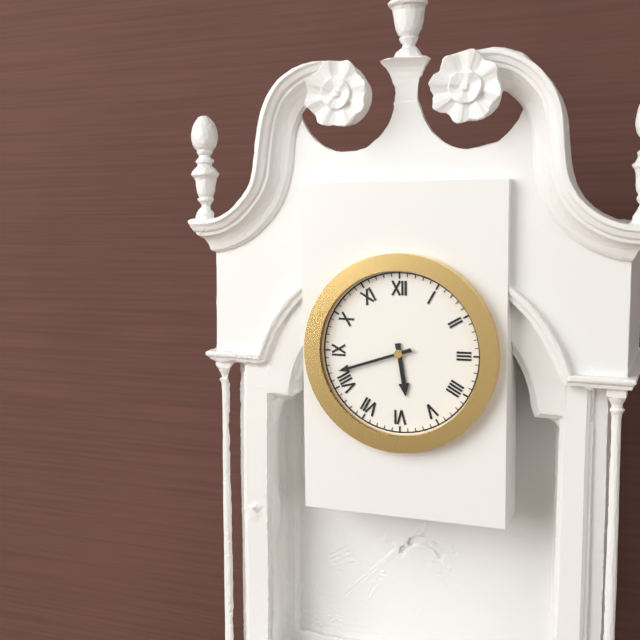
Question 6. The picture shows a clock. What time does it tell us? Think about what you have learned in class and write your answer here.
5:42
